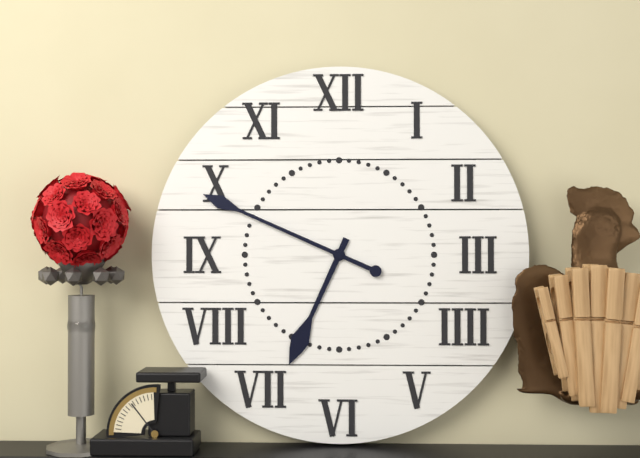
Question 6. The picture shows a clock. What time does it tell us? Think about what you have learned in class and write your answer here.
6:49
